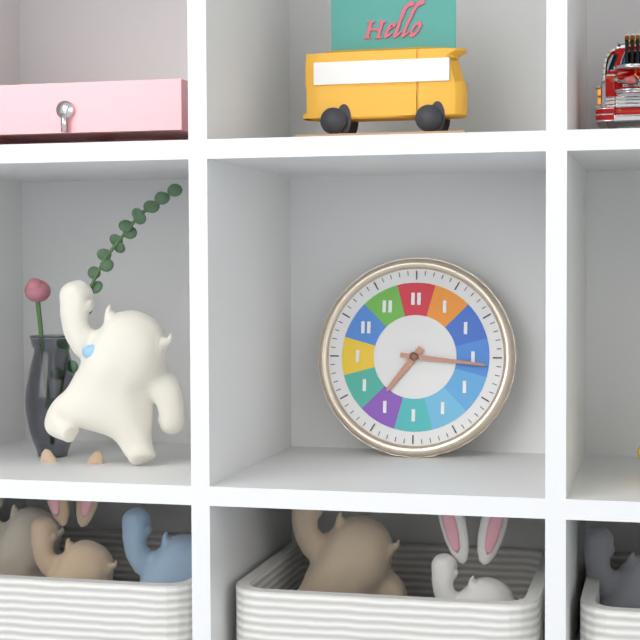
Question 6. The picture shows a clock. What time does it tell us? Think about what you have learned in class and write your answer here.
7:16
